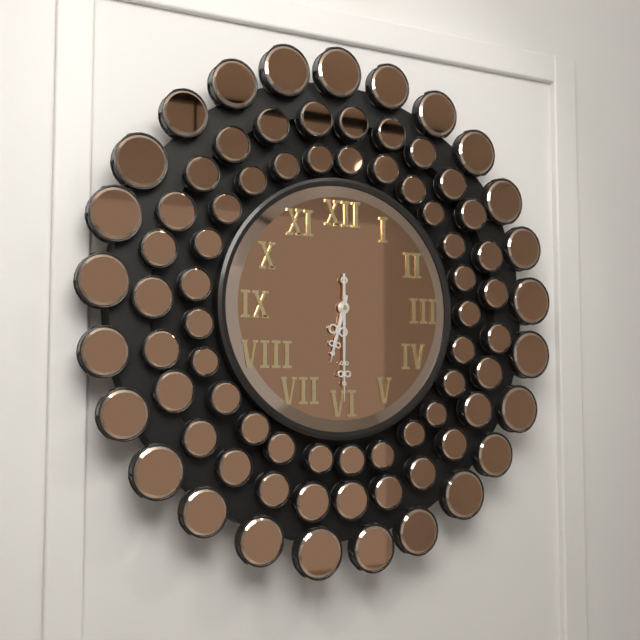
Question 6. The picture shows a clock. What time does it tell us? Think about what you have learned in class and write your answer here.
6:30
